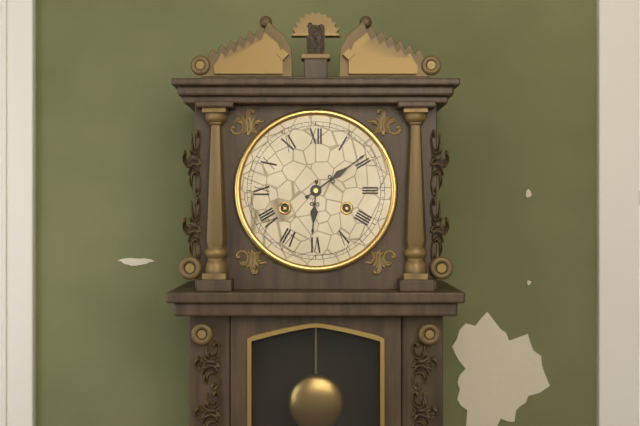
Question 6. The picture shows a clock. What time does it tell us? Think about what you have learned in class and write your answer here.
6:09
